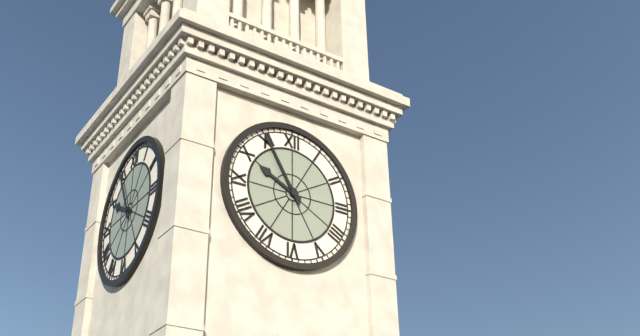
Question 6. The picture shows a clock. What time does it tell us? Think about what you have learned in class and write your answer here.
9:55
